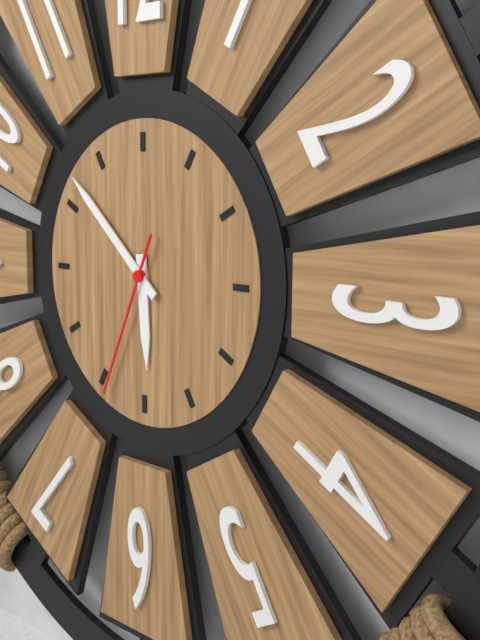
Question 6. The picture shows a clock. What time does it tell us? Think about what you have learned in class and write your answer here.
5:52:34
